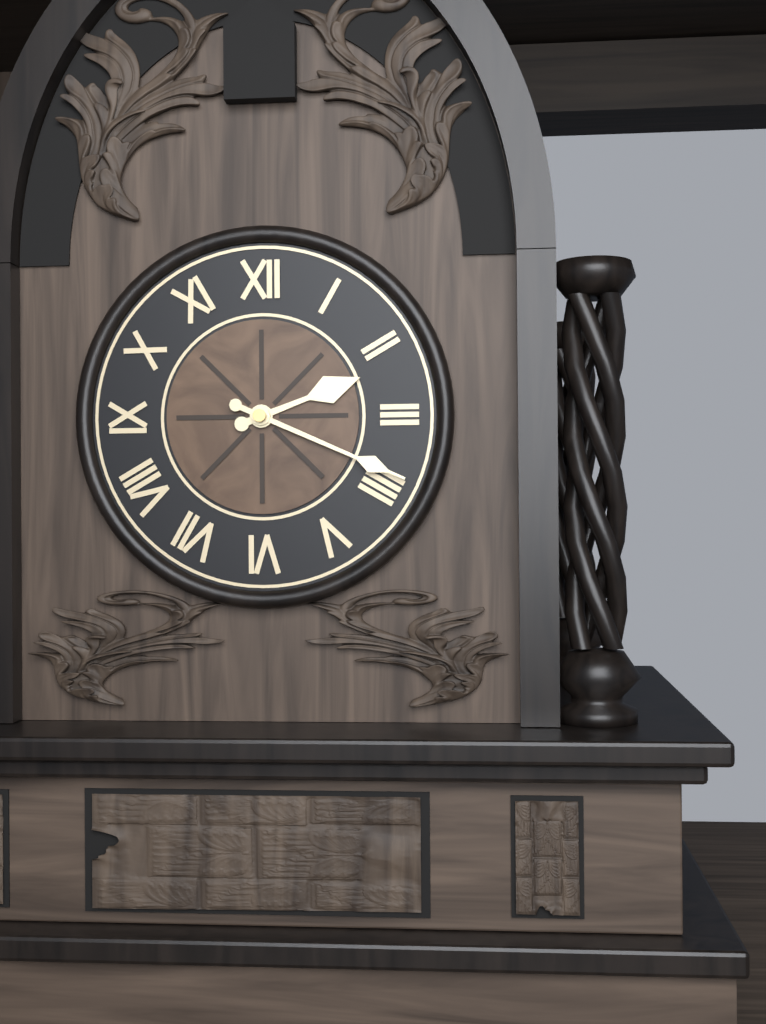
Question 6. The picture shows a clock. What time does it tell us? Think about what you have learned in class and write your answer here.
2:19
